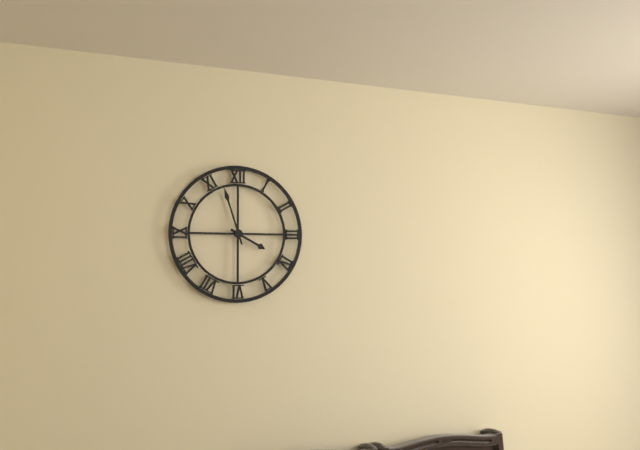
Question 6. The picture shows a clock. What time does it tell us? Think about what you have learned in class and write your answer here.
3:57
